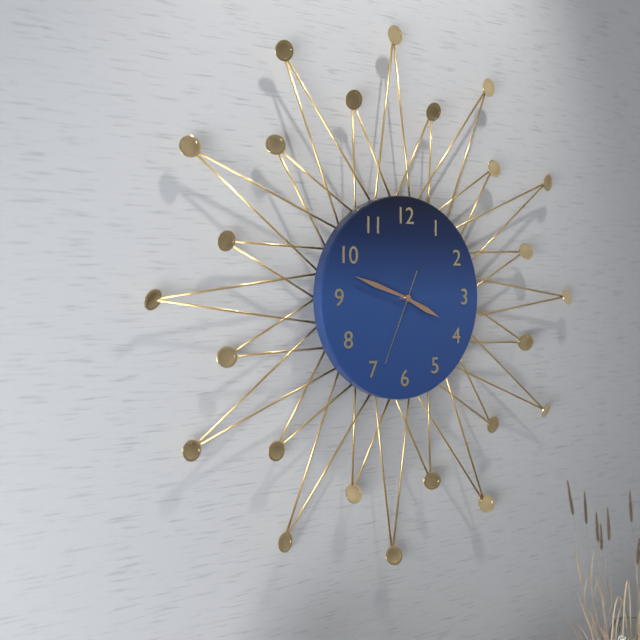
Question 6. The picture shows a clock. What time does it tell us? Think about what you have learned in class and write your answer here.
3:48:34
